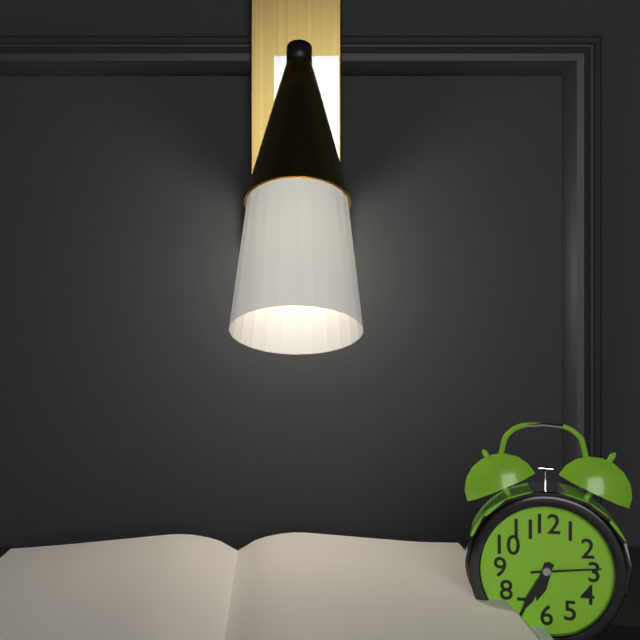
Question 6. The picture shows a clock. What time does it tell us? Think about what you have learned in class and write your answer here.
6:35:14
